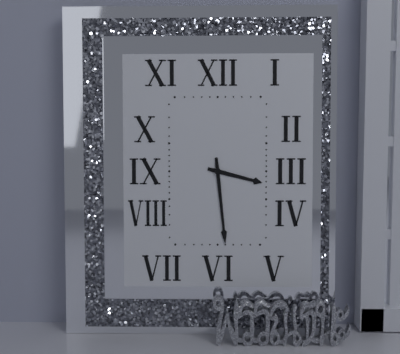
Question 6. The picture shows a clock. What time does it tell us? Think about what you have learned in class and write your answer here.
3:29
